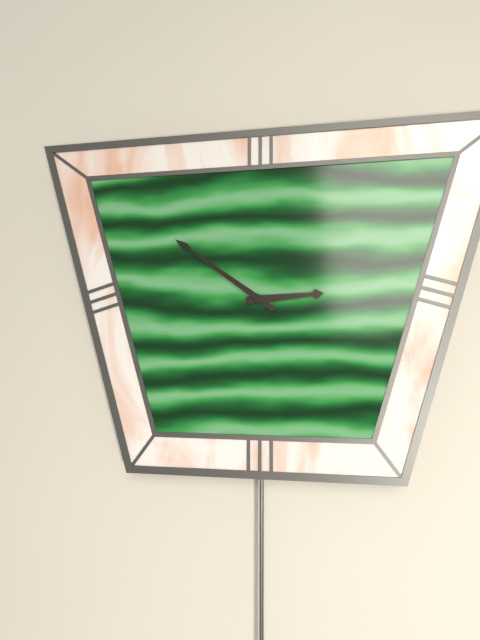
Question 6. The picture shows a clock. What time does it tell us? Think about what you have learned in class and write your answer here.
2:51
